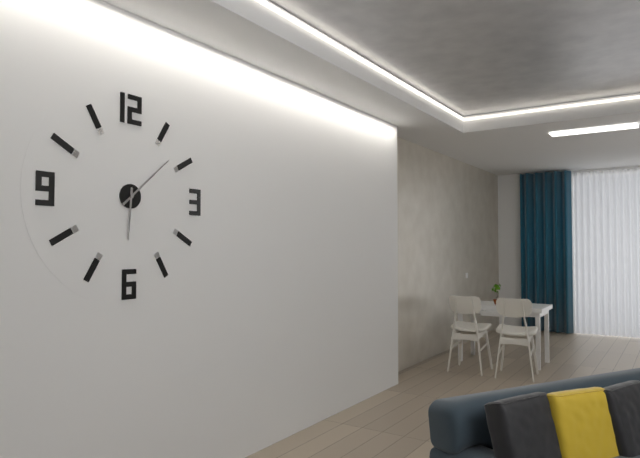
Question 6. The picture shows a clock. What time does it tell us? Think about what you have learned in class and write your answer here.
6:08
